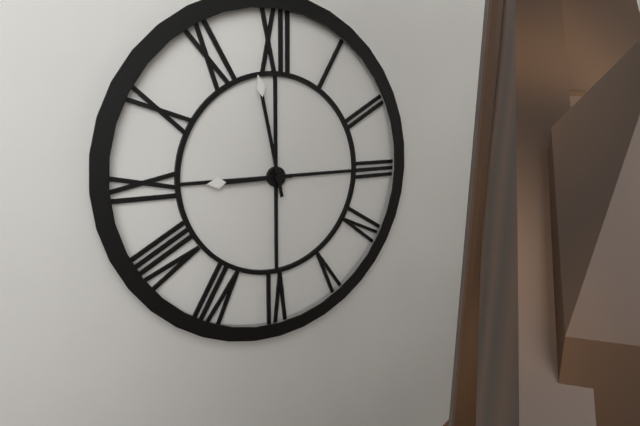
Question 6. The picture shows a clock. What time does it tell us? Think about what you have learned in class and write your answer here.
8:58
